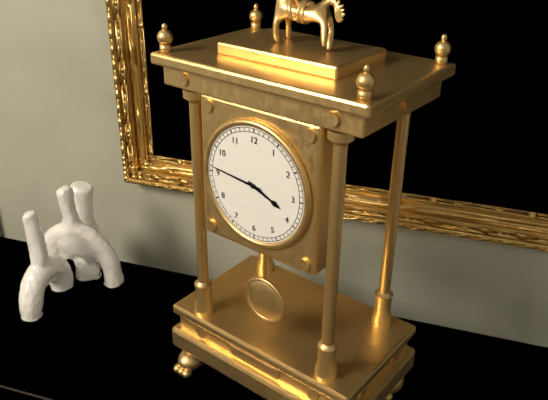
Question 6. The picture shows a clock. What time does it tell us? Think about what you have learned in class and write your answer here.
3:46
